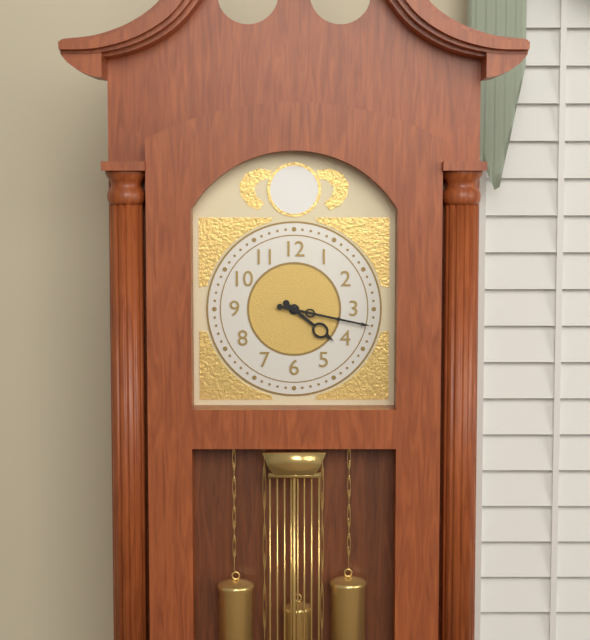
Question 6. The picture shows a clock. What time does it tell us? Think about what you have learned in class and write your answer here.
4:17
